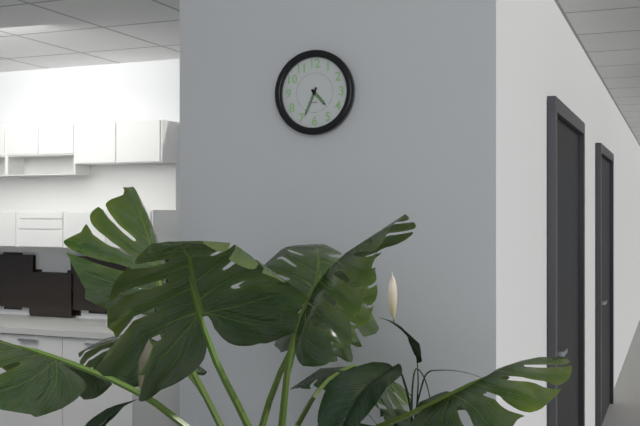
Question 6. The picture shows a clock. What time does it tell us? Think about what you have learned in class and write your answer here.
4:34
